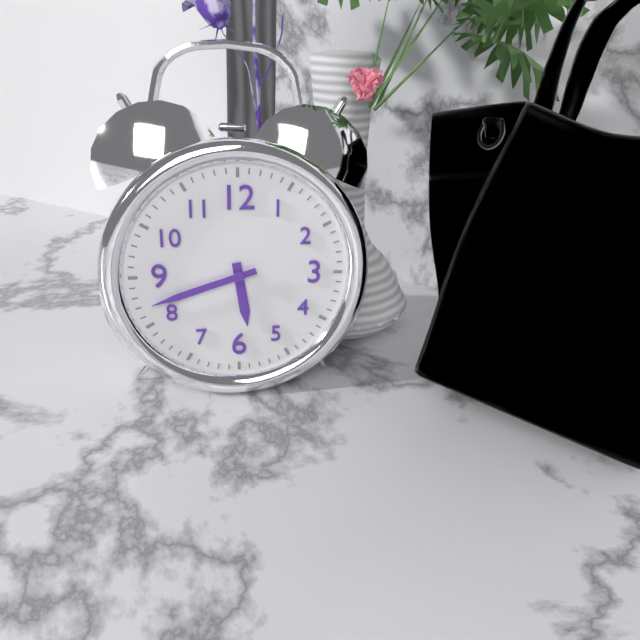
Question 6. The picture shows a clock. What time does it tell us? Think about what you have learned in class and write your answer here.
5:42
